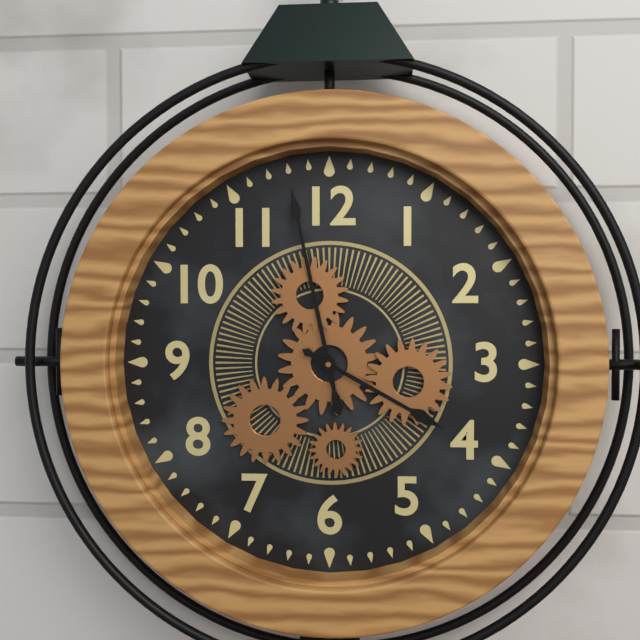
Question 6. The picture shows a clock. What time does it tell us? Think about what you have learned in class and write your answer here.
3:58
